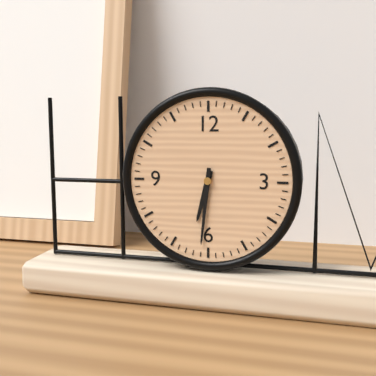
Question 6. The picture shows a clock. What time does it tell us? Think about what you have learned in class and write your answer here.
6:31
